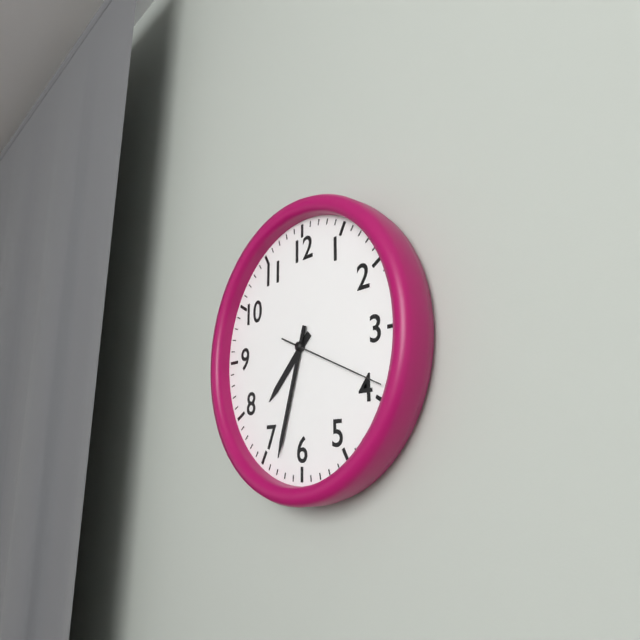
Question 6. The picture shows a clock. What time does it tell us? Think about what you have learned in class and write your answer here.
7:33:19
